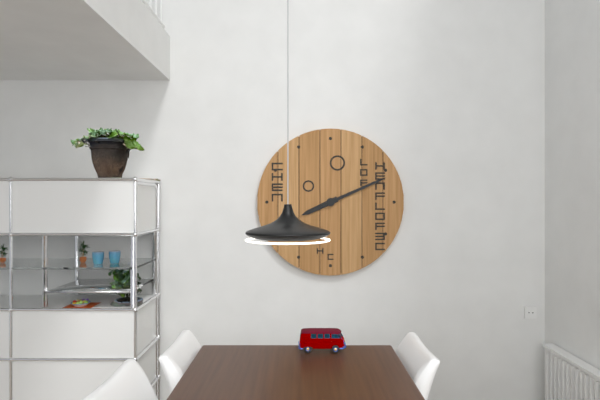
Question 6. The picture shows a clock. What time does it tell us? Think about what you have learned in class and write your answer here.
8:11
